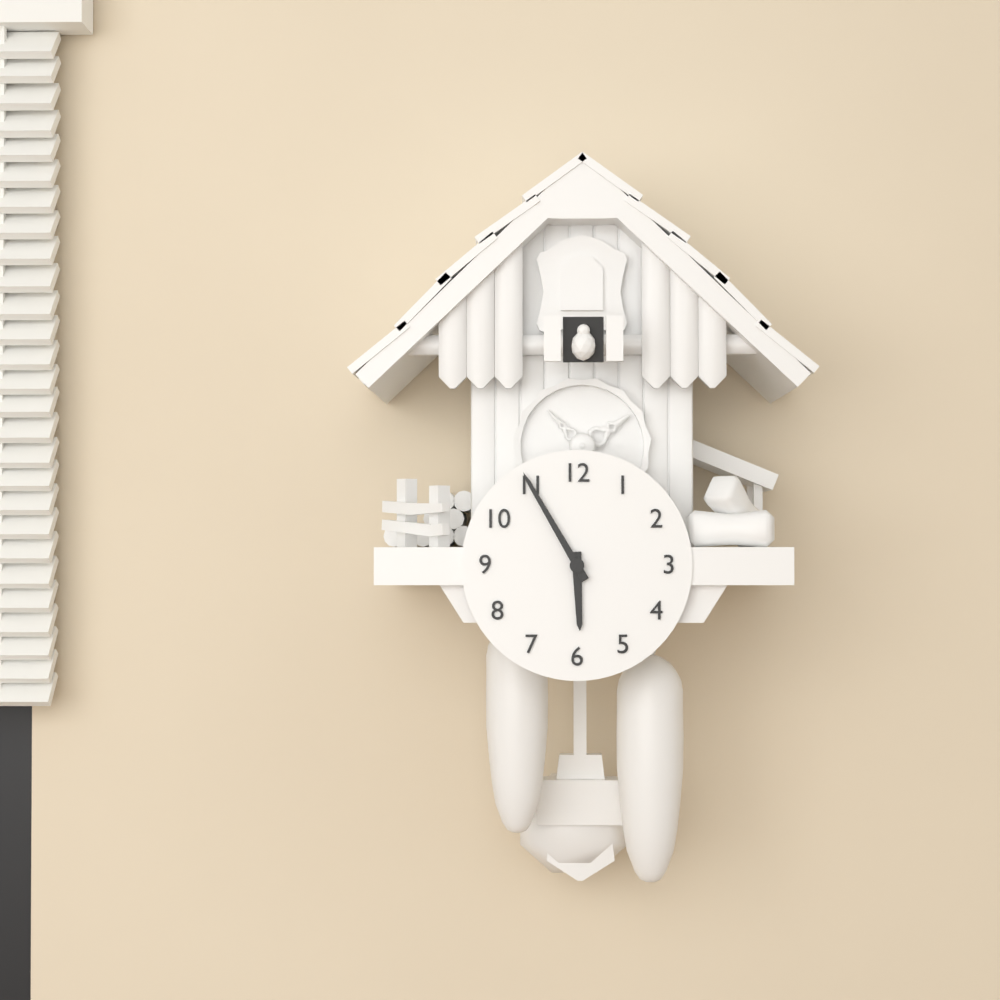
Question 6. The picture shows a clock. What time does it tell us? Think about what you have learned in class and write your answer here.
5:55
